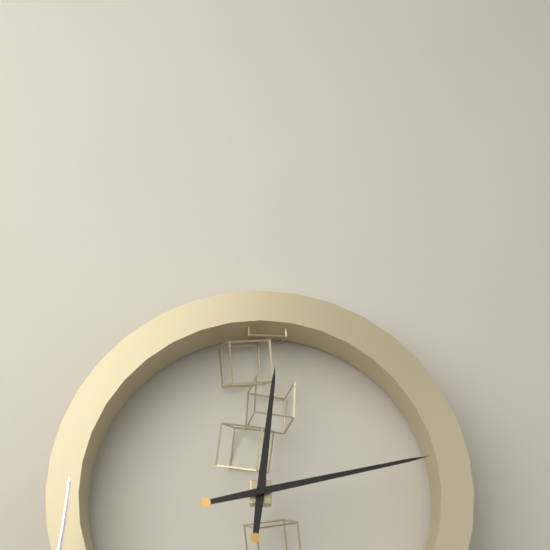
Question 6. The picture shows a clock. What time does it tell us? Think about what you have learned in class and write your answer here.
12:13
